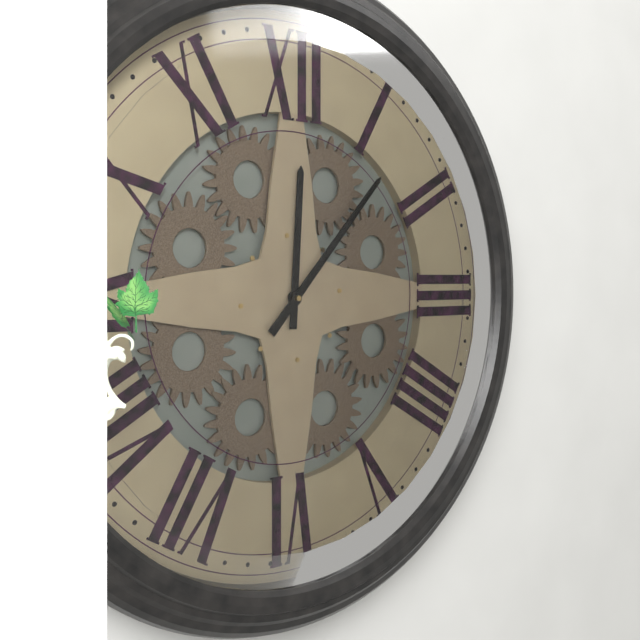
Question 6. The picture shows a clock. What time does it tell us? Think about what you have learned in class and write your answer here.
12:07
